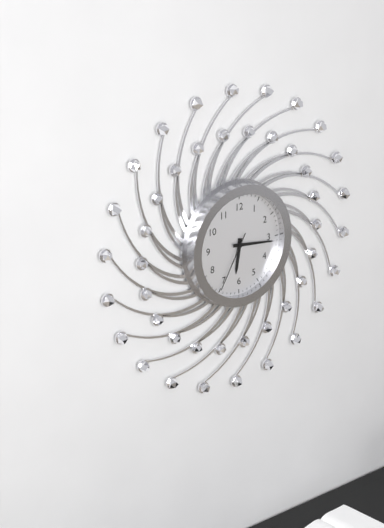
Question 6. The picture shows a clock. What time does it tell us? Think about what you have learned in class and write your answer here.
6:16:35
